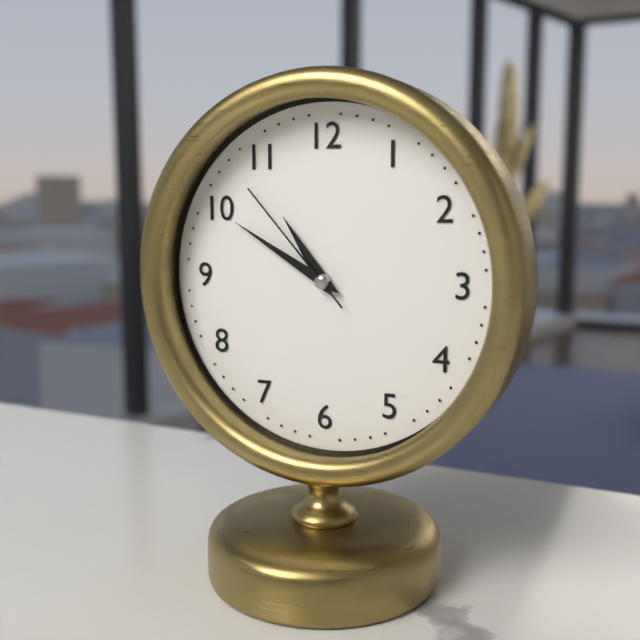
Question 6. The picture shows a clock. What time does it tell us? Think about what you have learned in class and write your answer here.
10:50:53
